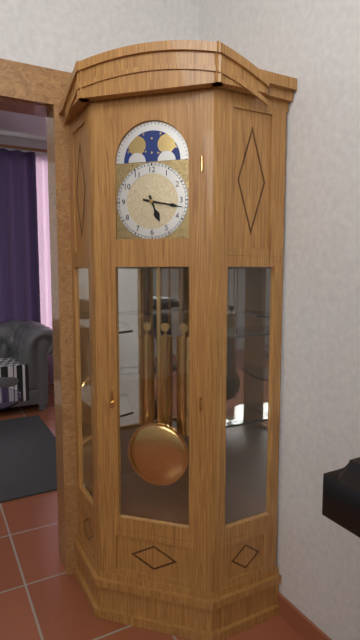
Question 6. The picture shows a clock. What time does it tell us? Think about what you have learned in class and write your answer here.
5:17
